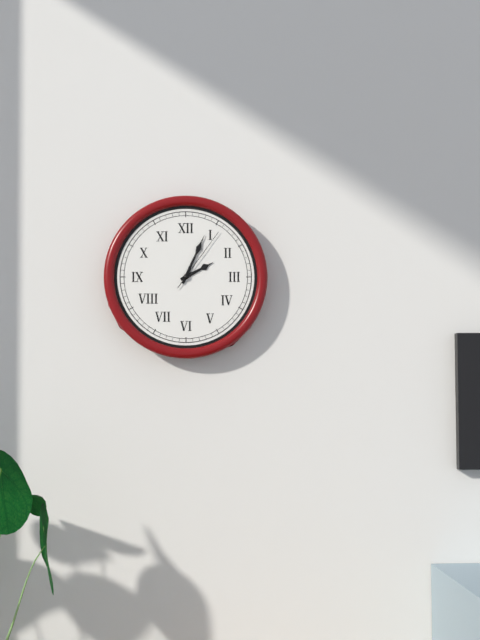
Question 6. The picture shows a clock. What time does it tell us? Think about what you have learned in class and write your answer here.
2:04:06
